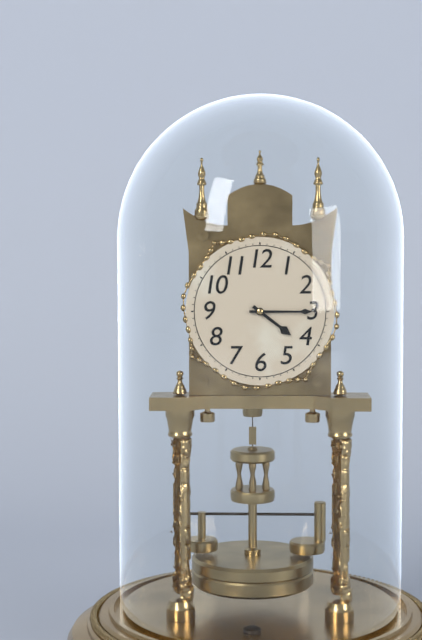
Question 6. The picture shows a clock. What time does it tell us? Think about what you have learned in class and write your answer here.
4:15
